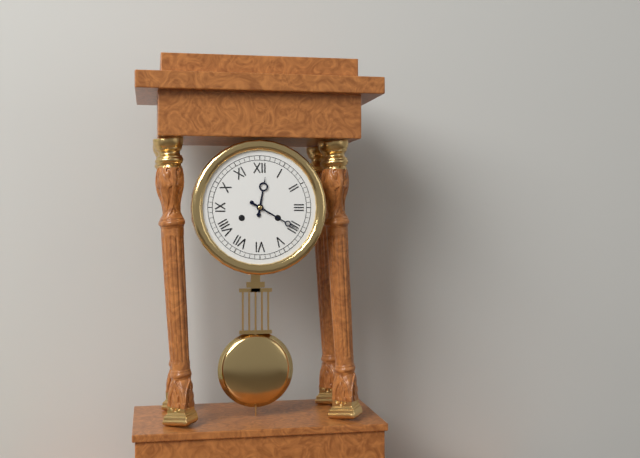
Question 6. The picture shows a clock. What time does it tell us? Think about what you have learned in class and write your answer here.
12:20
